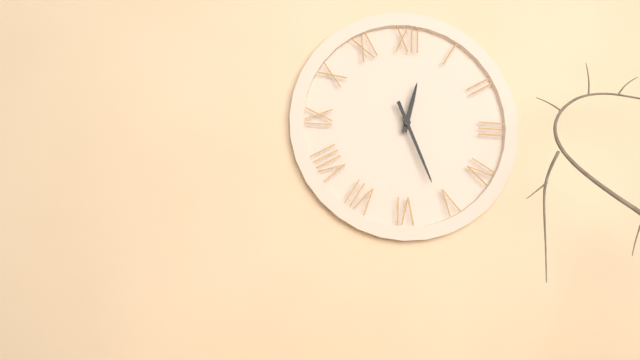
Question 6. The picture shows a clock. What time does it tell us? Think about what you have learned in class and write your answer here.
12:26
